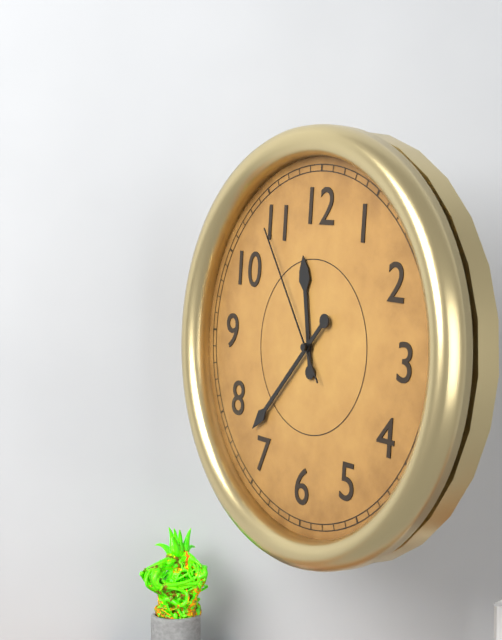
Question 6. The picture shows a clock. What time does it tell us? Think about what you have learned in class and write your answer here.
11:37:54
